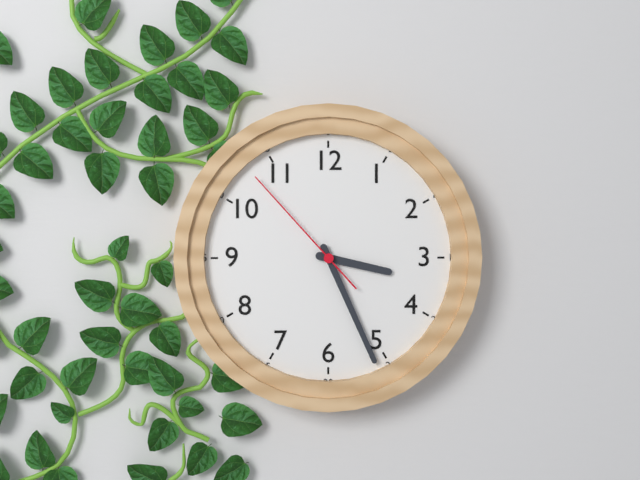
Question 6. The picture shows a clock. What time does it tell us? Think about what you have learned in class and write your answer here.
3:26:53
